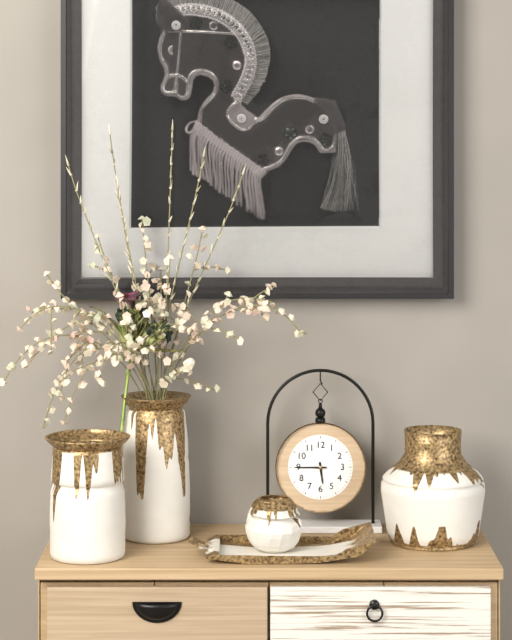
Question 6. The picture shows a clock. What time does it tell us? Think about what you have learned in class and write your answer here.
5:45
